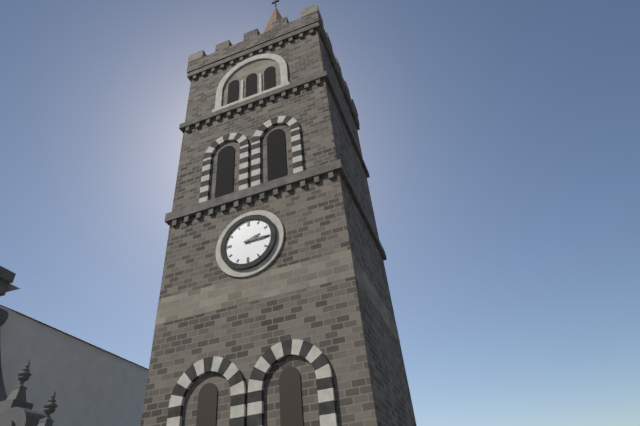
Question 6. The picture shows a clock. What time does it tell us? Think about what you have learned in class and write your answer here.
2:15
